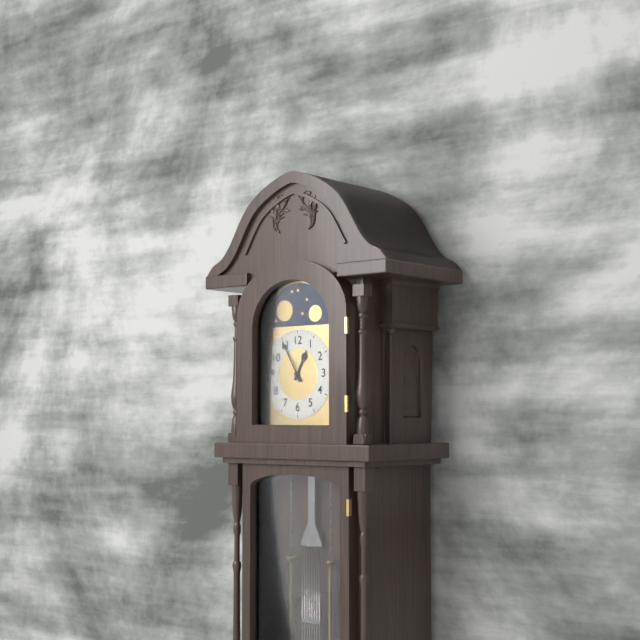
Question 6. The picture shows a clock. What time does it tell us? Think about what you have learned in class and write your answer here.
12:55
